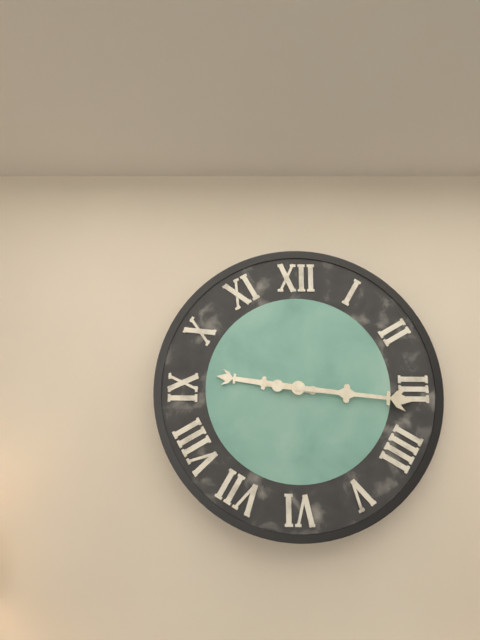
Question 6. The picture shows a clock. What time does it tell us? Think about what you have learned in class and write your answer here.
9:16
